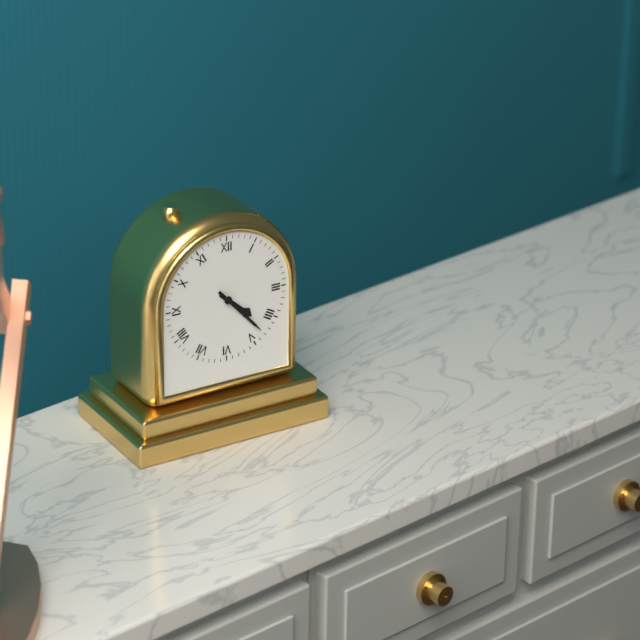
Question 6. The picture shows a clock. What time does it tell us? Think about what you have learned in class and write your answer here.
4:23
